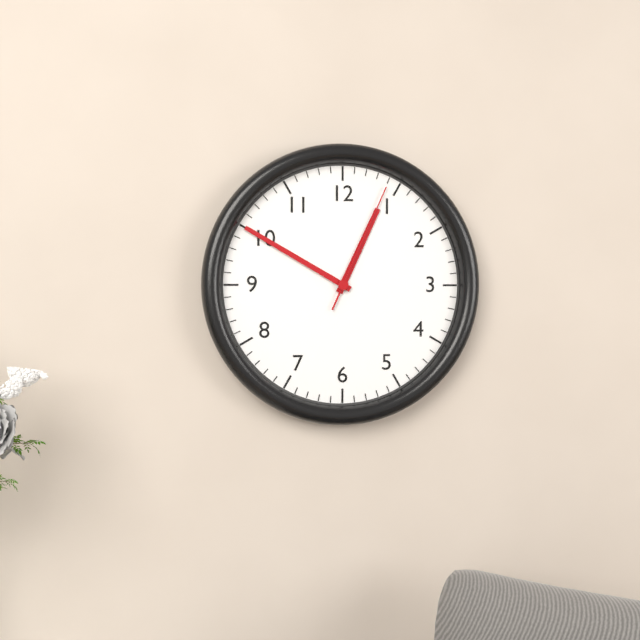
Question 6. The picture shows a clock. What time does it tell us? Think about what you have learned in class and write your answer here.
12:50:04
